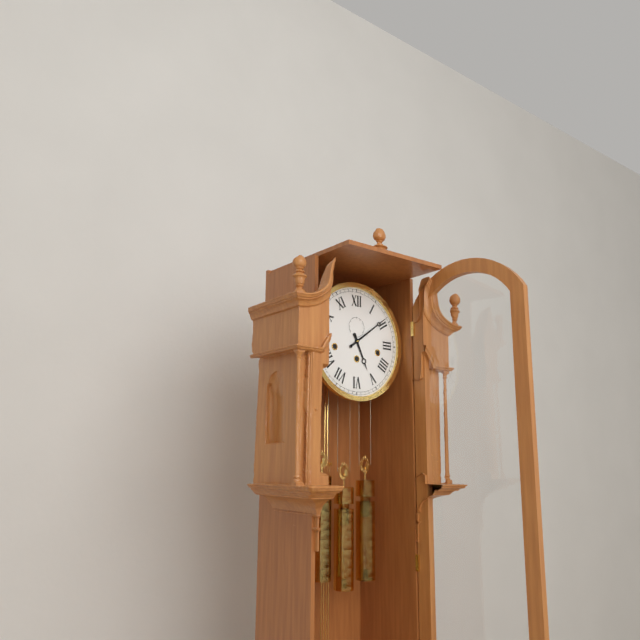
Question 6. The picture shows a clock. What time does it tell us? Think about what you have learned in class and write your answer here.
5:09
